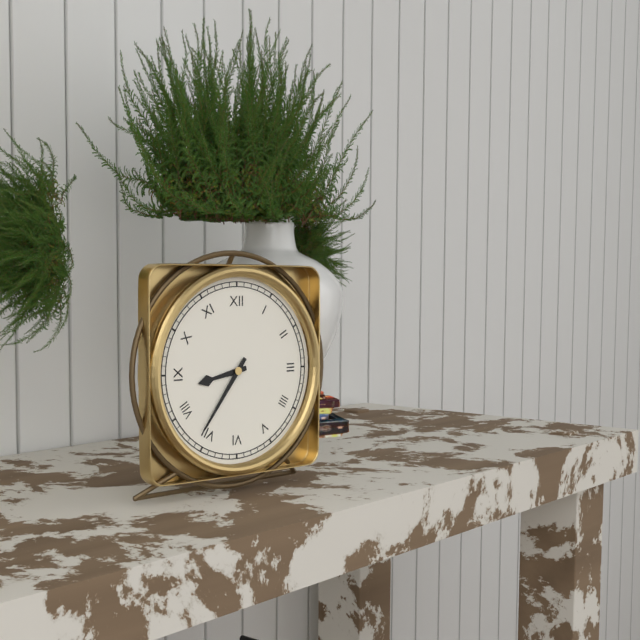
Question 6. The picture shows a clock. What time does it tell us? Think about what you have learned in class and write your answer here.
8:36
